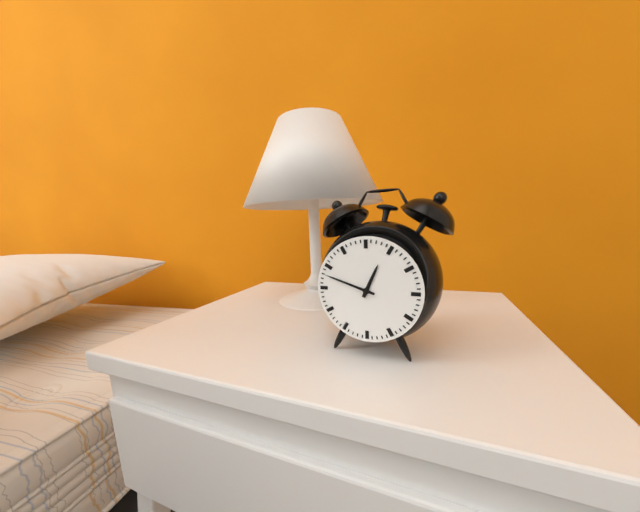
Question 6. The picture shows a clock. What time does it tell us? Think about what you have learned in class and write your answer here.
12:48
